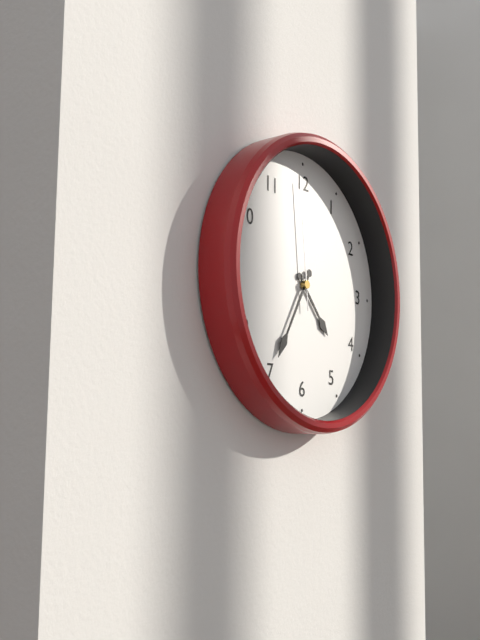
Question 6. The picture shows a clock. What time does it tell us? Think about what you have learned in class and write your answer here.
4:35:59
